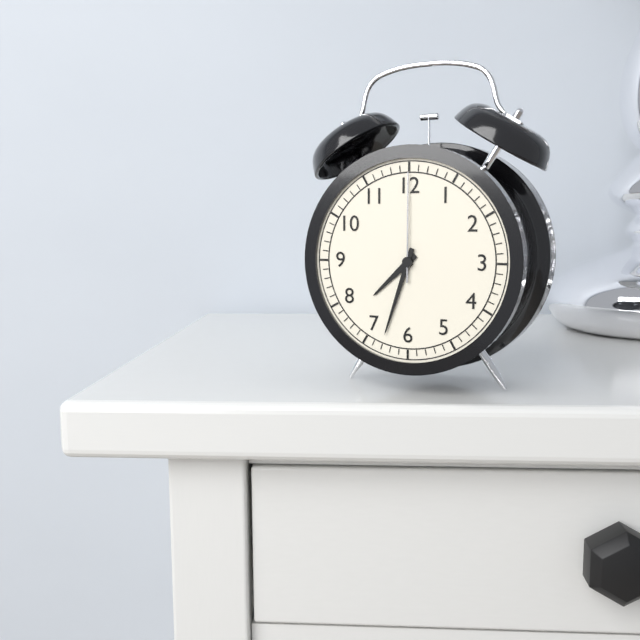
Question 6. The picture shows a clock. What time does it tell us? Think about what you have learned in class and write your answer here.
7:33:00
